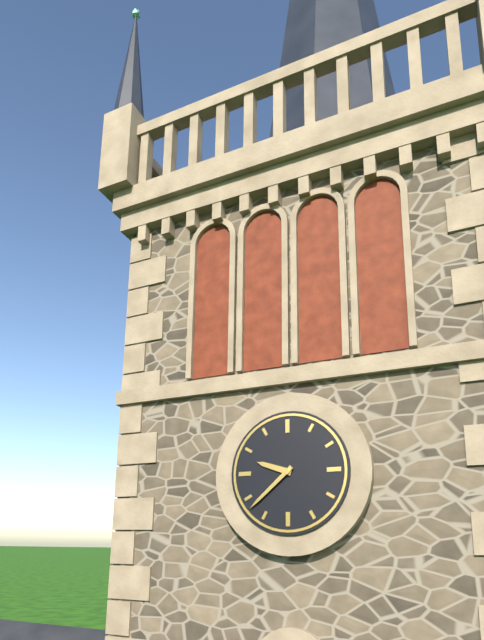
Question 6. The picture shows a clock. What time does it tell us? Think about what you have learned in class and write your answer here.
9:38
